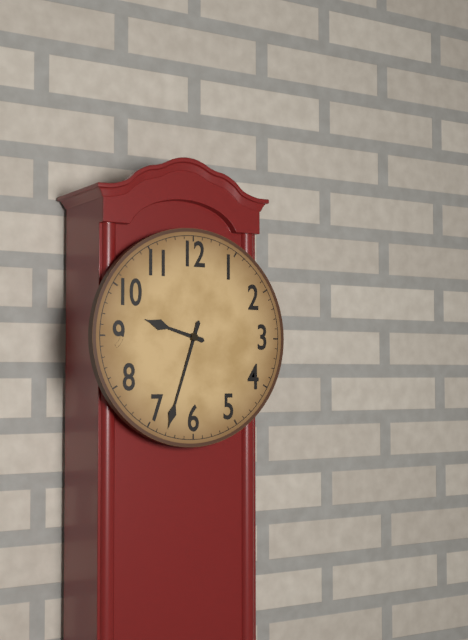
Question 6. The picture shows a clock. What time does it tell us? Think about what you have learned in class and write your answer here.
9:33
